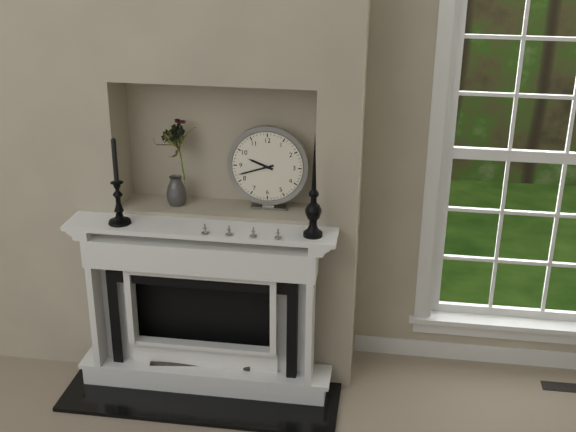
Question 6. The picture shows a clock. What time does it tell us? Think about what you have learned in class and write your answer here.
9:42
